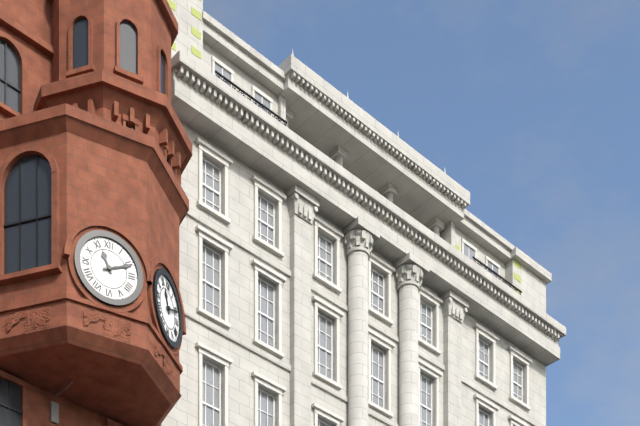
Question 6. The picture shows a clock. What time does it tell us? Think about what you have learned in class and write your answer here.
11:11
